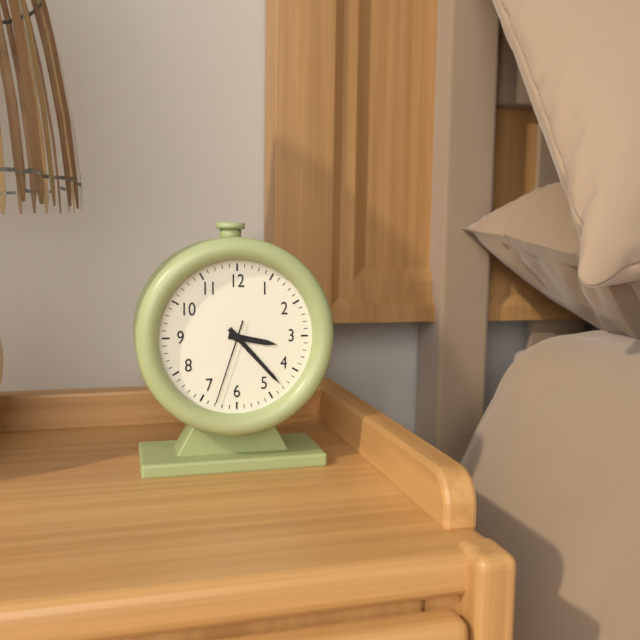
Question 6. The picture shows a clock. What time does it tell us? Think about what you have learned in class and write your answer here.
3:23:33
